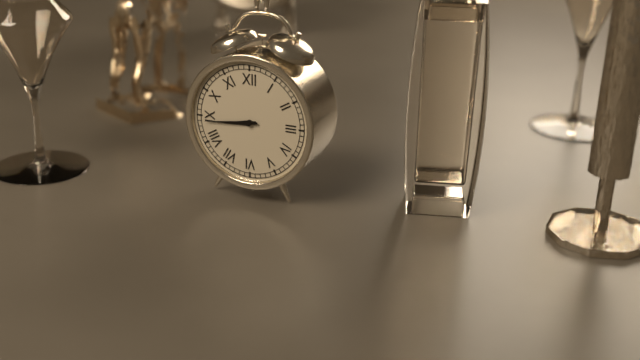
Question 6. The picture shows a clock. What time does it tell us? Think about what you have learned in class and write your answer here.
8:44
